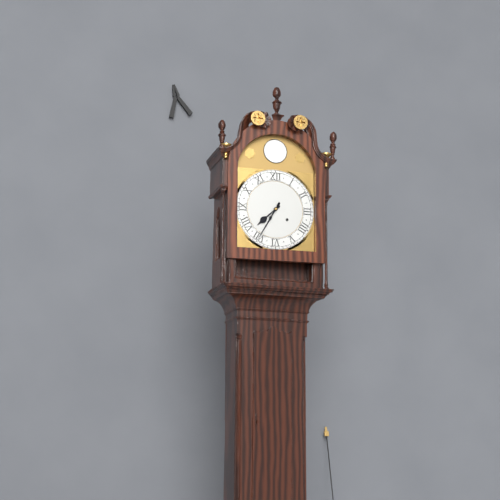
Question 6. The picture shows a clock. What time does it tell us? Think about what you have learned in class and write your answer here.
7:35
